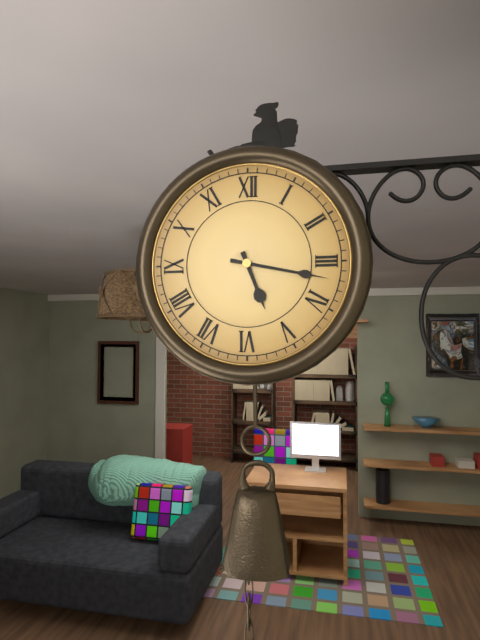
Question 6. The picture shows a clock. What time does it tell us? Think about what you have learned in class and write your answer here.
5:17
